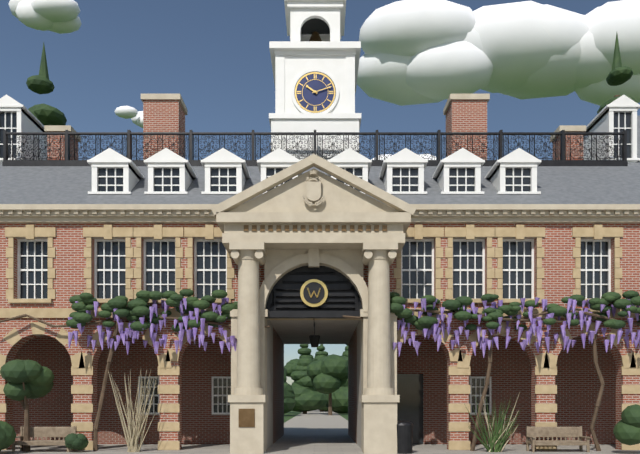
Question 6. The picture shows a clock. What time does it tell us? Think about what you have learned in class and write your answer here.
10:12
